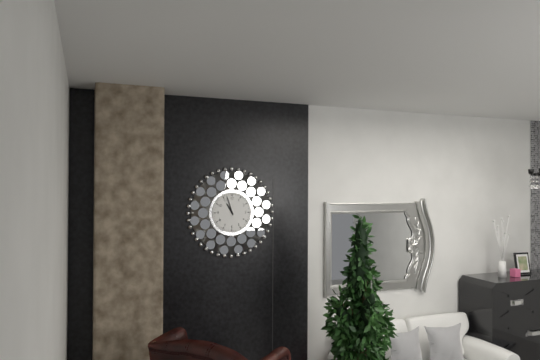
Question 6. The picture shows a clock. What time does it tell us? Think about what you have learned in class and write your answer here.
10:57
